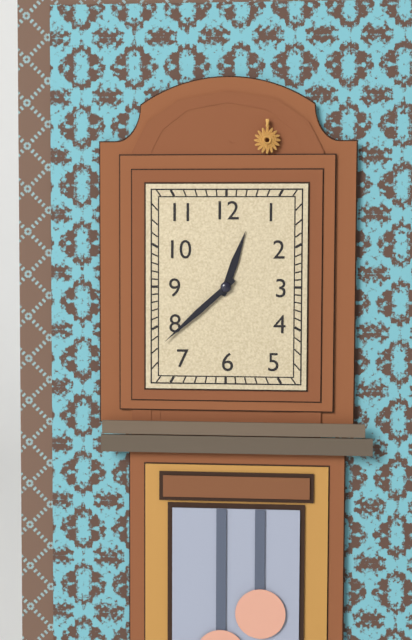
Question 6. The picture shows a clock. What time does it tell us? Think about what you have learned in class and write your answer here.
12:38
